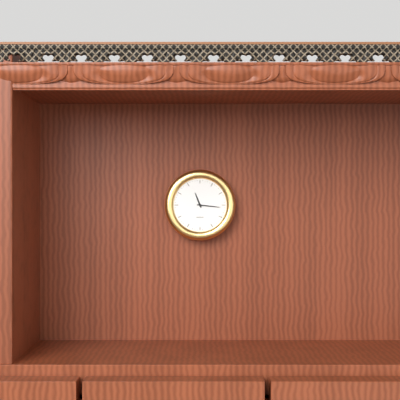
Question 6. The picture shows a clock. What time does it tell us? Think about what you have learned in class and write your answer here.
11:16
